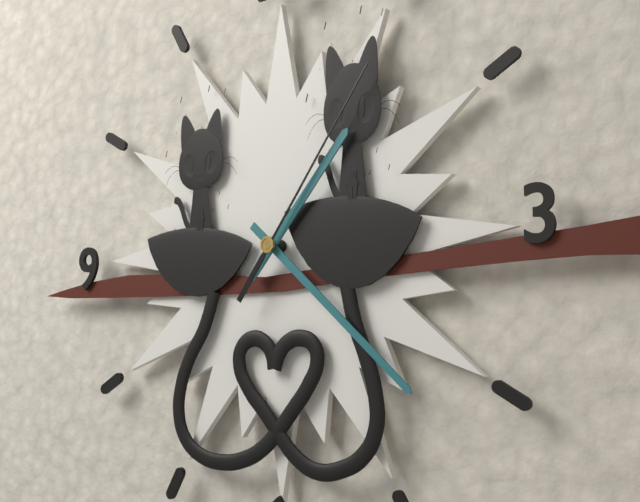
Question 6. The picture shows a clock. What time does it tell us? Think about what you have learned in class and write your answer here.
1:22:06
